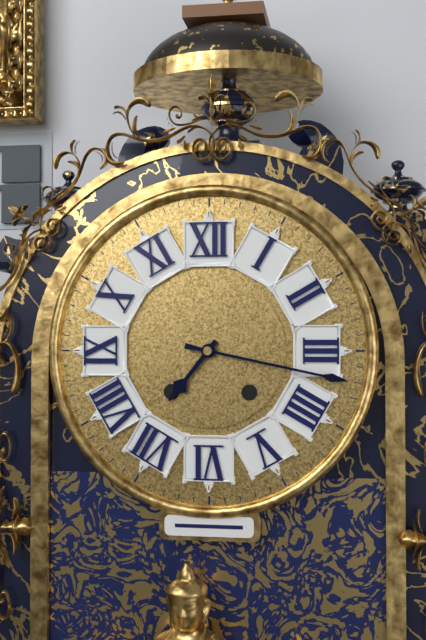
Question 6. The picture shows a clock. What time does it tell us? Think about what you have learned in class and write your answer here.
7:17
